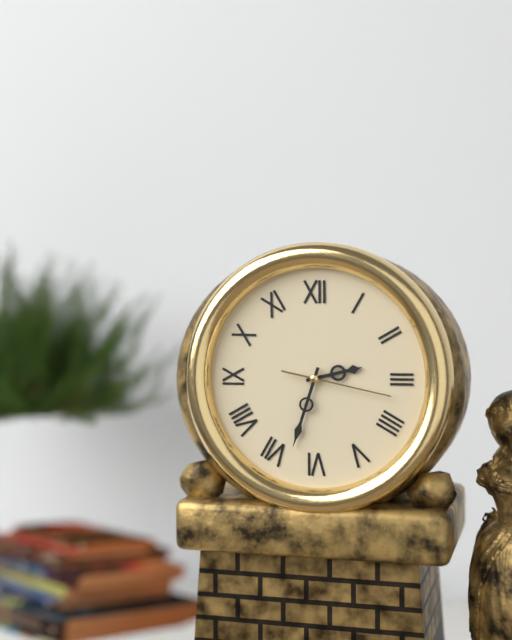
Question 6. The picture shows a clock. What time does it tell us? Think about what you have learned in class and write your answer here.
2:33:17
